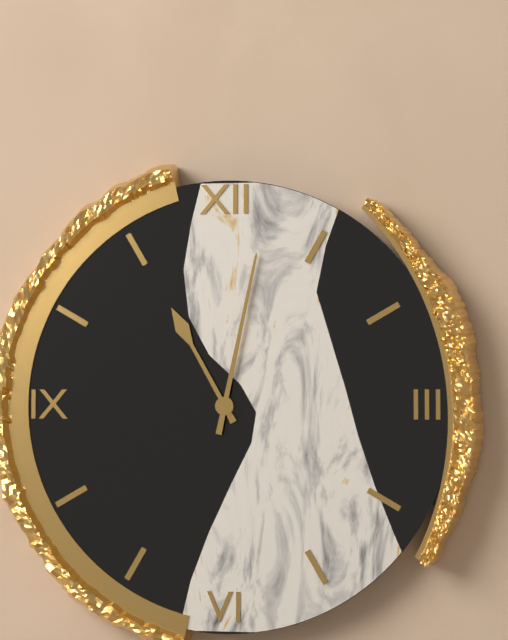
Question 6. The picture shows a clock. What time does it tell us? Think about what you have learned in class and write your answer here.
11:02
